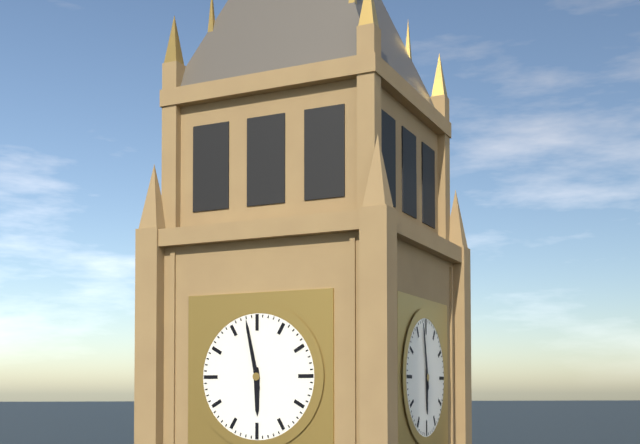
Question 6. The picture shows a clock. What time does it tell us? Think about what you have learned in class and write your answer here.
5:58
